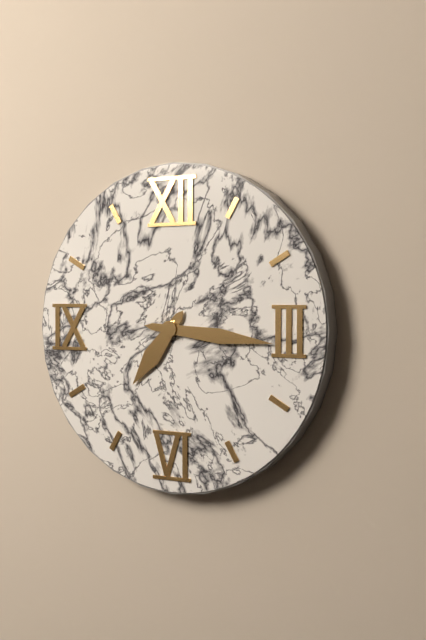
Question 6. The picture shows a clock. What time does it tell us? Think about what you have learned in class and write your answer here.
7:16
